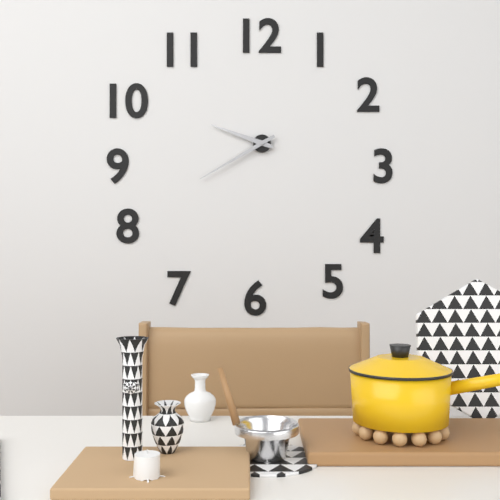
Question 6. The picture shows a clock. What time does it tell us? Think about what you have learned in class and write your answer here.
9:40
